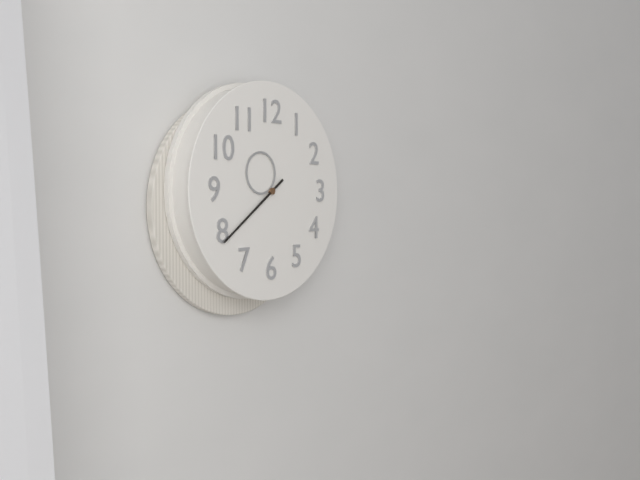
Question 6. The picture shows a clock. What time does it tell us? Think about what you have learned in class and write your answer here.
10:39
